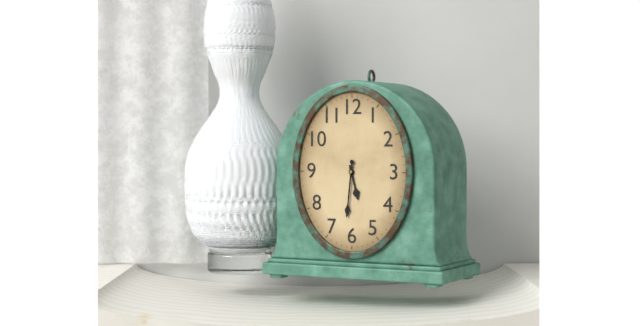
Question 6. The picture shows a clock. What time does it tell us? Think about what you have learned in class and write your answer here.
5:31
